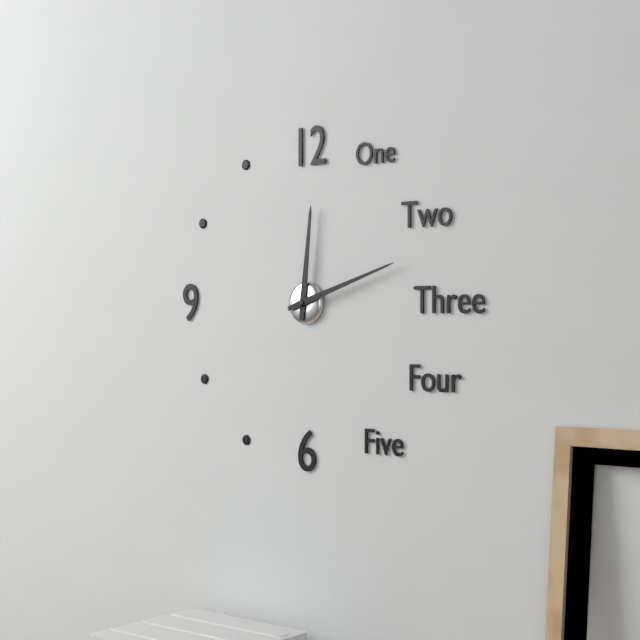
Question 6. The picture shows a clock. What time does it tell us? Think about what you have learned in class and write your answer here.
12:12
